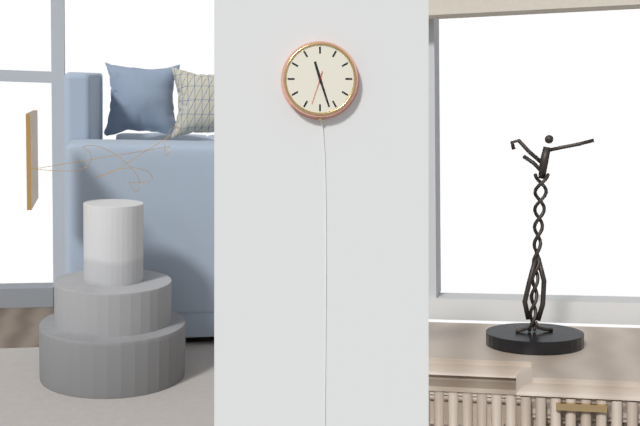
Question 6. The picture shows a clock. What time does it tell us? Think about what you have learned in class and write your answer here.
11:27
